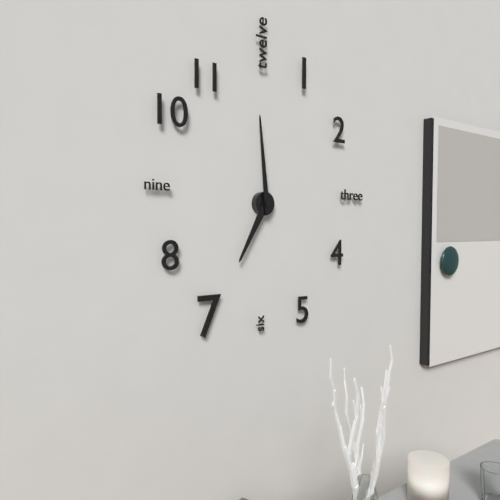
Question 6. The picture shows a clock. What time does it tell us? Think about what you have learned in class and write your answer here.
6:59
